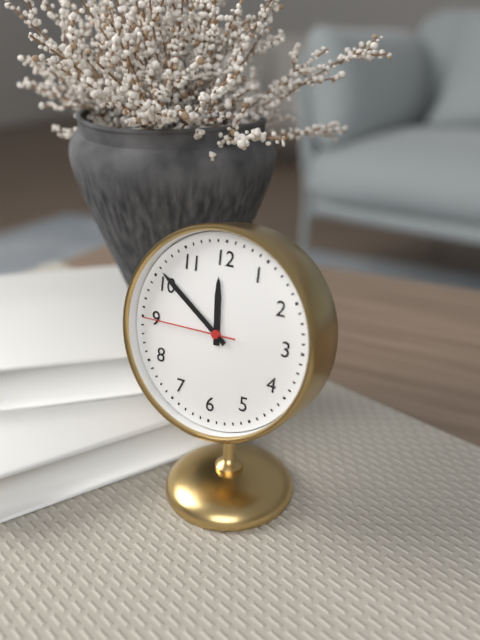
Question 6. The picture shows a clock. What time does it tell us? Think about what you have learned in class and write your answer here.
11:51:45
